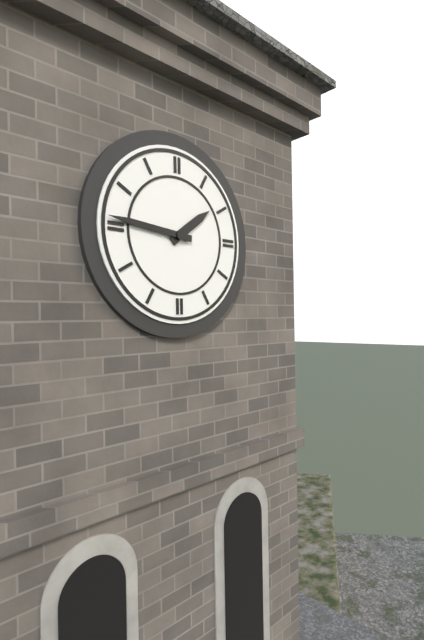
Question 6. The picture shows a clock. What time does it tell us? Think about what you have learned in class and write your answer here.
1:46
